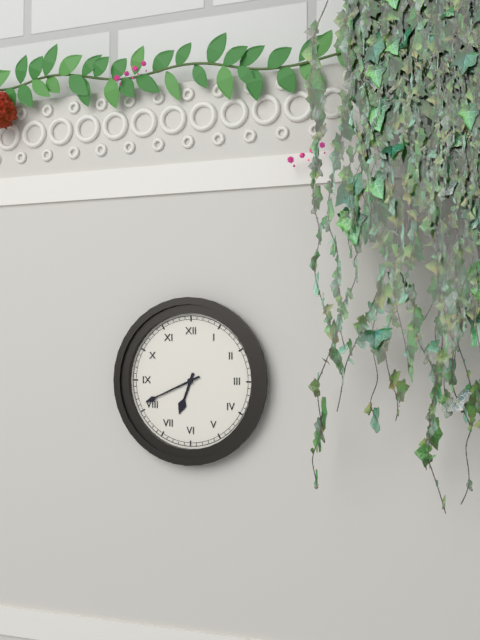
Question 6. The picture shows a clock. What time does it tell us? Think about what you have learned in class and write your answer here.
6:41
